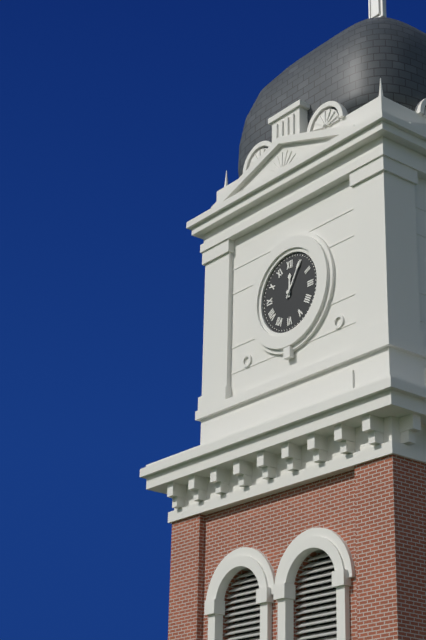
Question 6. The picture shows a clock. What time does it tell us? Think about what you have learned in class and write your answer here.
12:05
